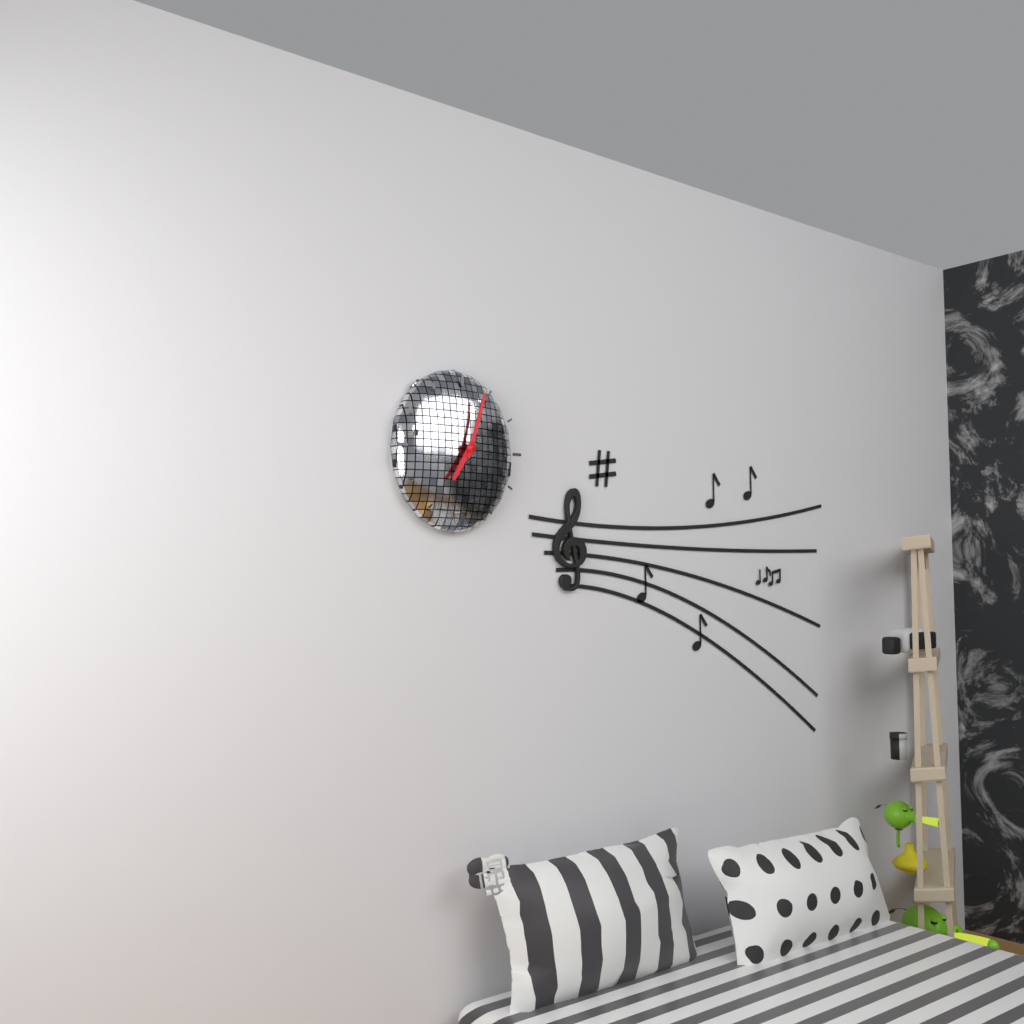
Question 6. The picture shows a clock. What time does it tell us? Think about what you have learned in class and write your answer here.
7:03
